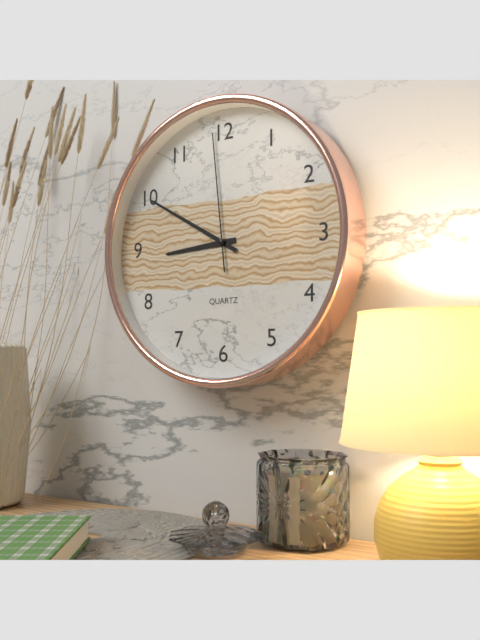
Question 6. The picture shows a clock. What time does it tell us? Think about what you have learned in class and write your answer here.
8:50:59
